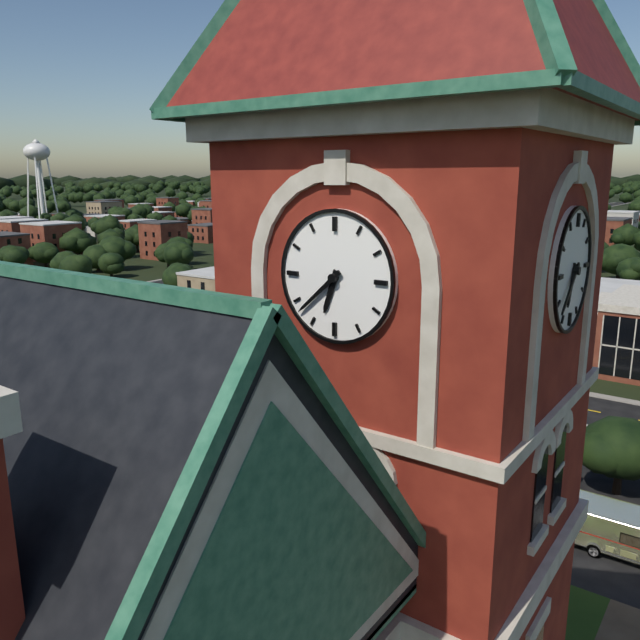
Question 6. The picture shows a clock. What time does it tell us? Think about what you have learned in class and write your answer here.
6:38
